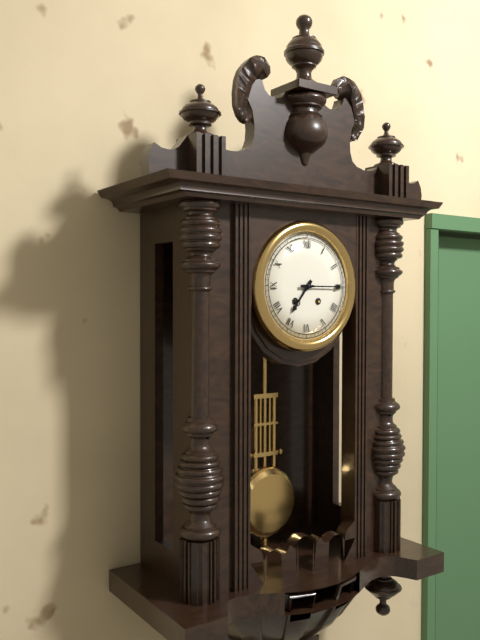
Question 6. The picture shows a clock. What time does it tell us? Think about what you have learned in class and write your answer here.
7:15
